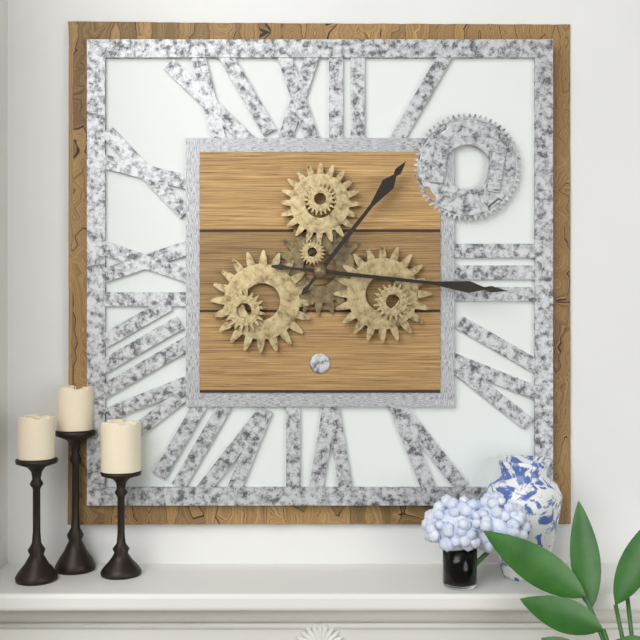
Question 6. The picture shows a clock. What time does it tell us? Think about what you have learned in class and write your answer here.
1:16
